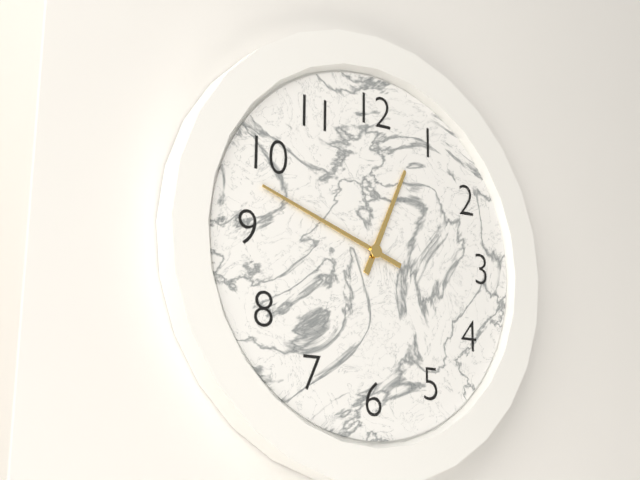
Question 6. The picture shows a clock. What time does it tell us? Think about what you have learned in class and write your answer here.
12:48
